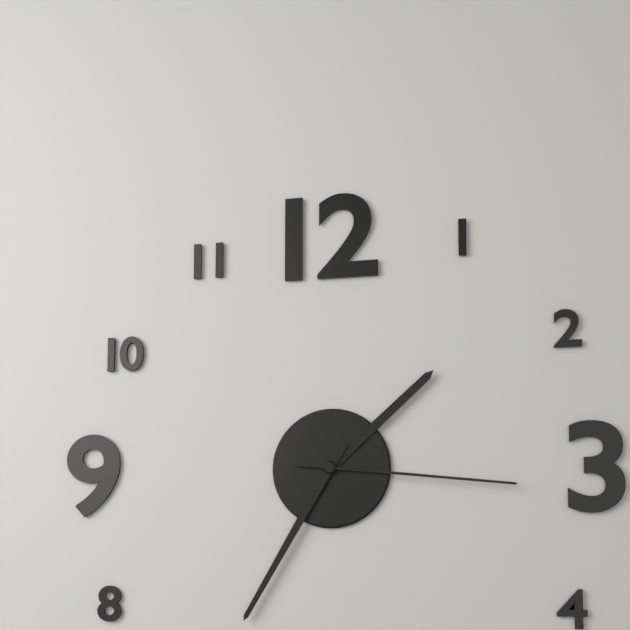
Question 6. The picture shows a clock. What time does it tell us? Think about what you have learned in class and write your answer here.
1:35:16
